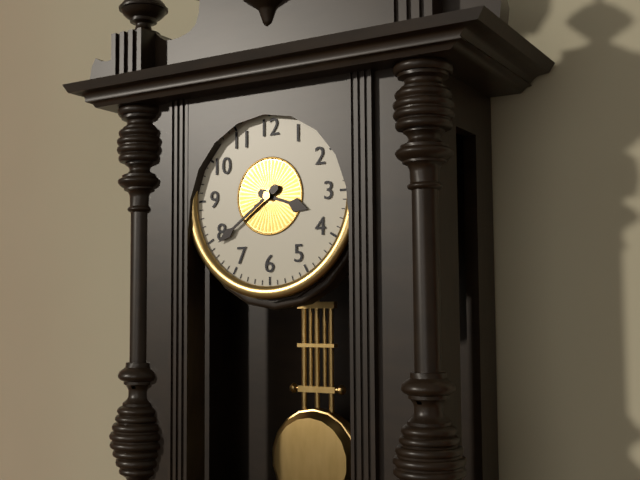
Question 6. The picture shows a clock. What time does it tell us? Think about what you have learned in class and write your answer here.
3:39
